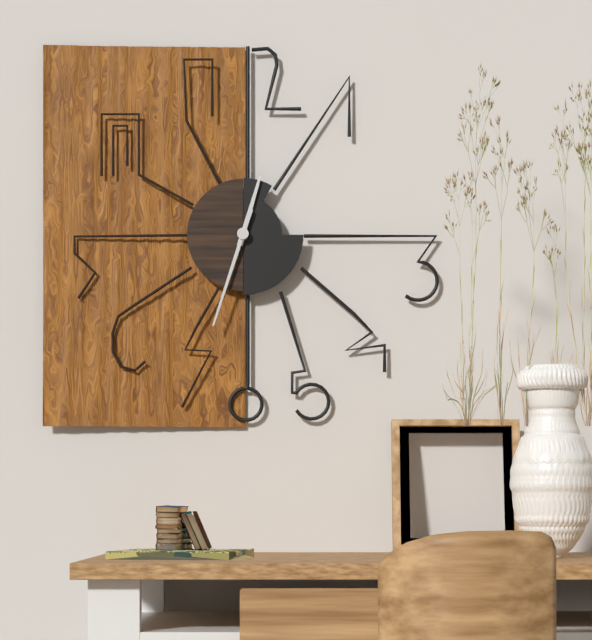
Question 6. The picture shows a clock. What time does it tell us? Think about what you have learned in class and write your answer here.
12:33
